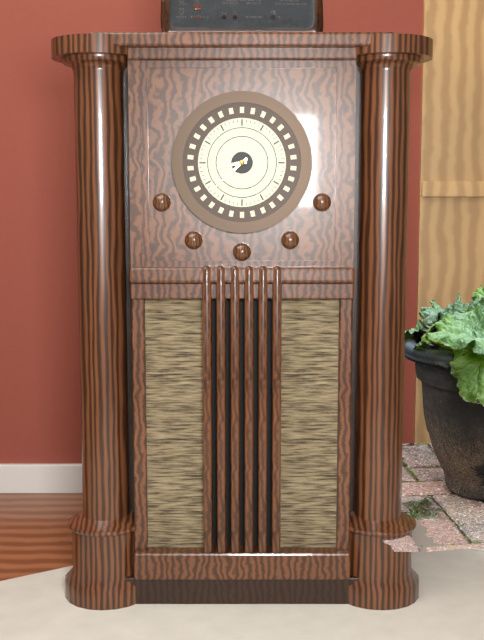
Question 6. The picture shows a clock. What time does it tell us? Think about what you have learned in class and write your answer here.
8:38
